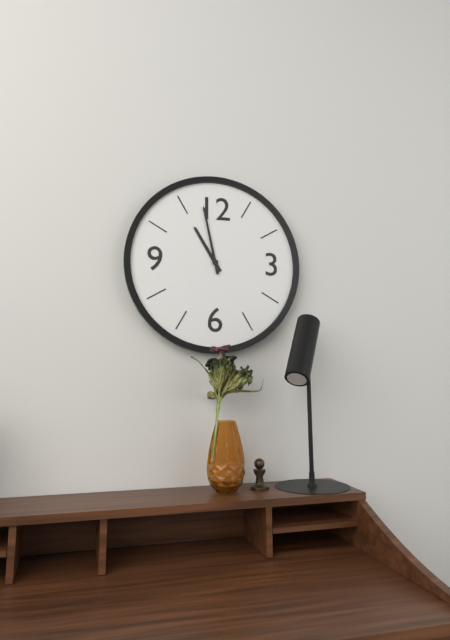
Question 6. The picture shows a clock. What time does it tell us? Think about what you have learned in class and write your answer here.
10:58
